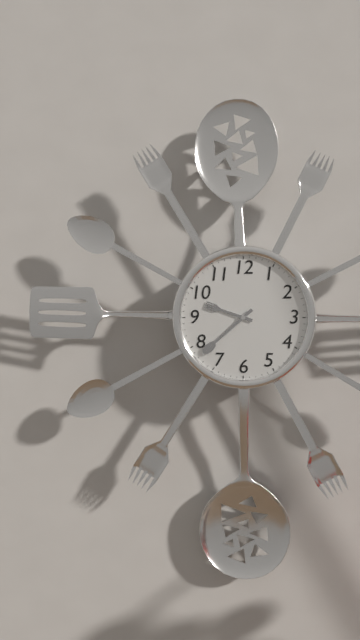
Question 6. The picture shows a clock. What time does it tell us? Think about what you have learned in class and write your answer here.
9:38
